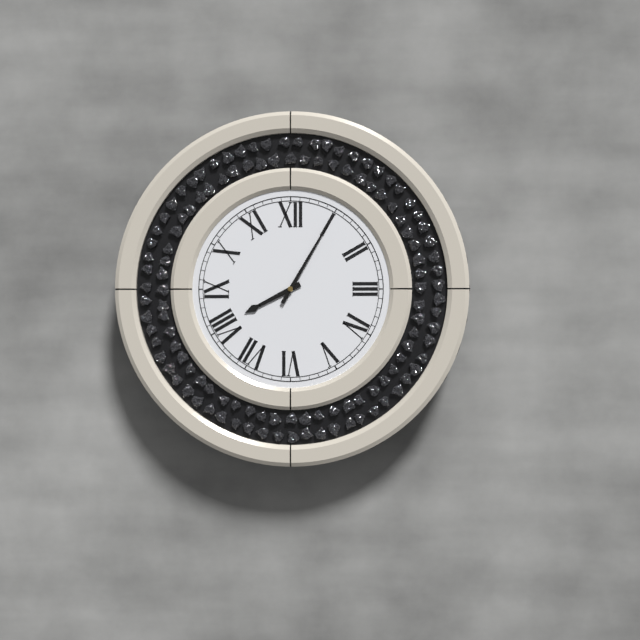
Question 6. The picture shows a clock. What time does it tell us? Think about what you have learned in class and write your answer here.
8:05
